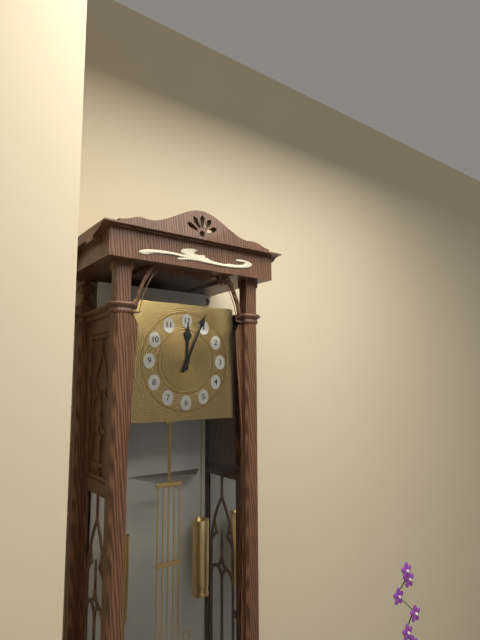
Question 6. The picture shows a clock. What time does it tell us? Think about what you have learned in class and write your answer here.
12:04
